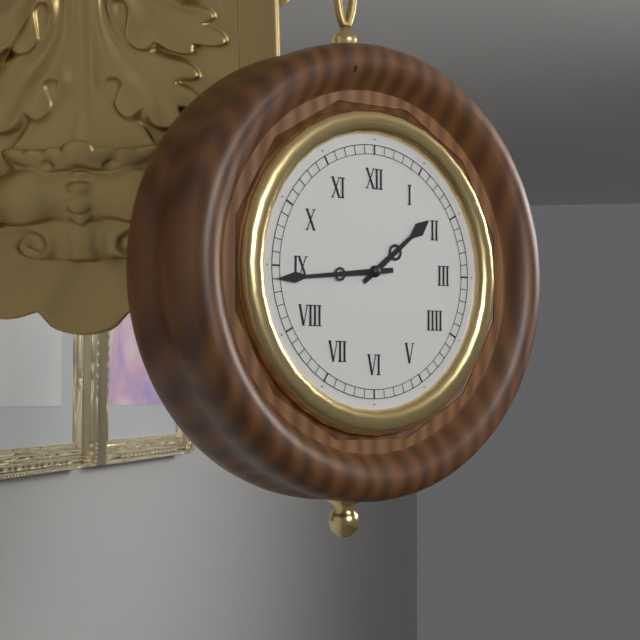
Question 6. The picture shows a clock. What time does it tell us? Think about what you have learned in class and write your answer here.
1:44
